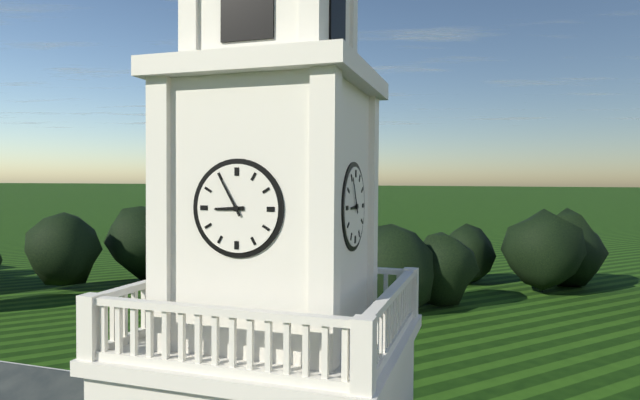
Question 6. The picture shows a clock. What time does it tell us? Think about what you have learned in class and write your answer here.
8:55
